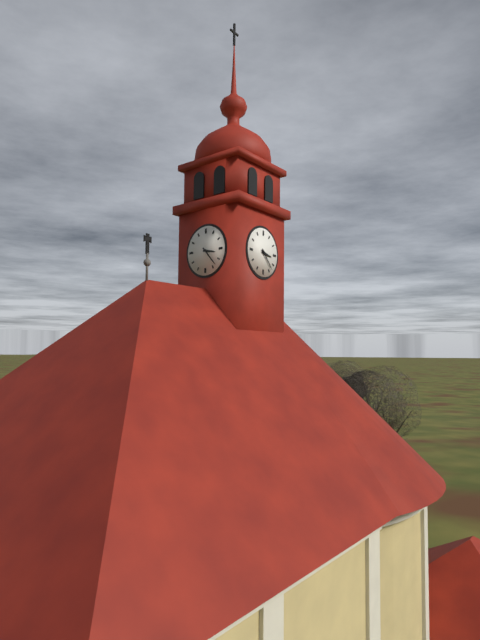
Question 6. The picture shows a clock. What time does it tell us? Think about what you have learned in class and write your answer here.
3:23
